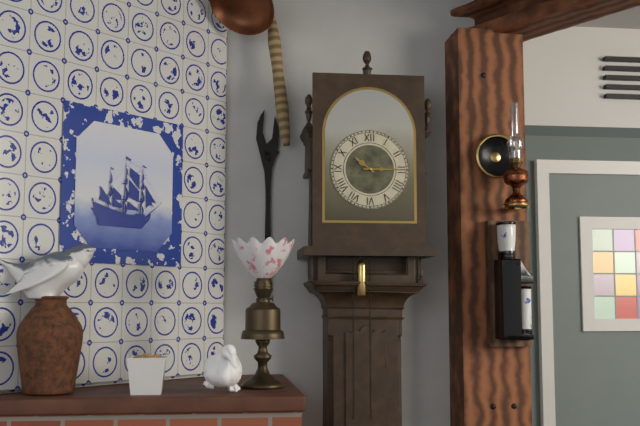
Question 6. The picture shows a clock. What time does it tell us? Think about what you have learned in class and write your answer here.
10:15
